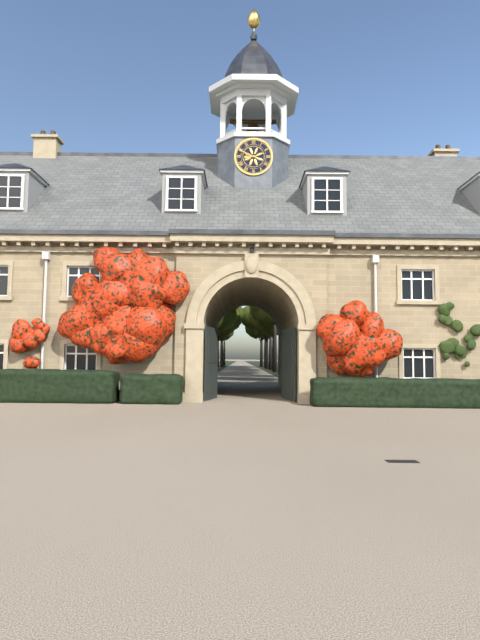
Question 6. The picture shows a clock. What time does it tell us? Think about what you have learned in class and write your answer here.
8:49
